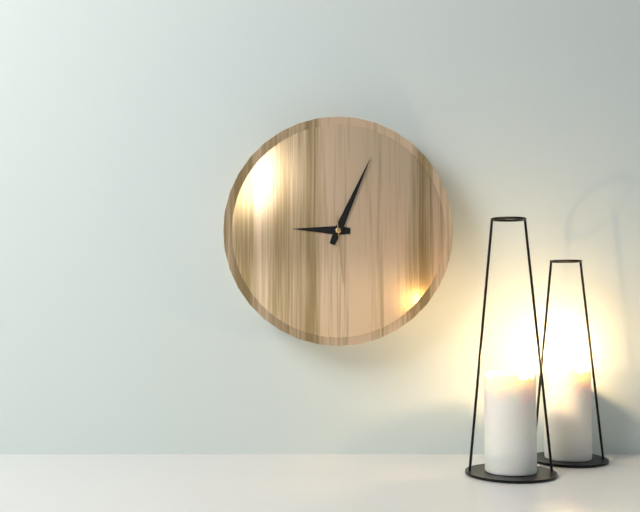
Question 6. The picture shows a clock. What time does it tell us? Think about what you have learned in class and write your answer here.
9:04:29
